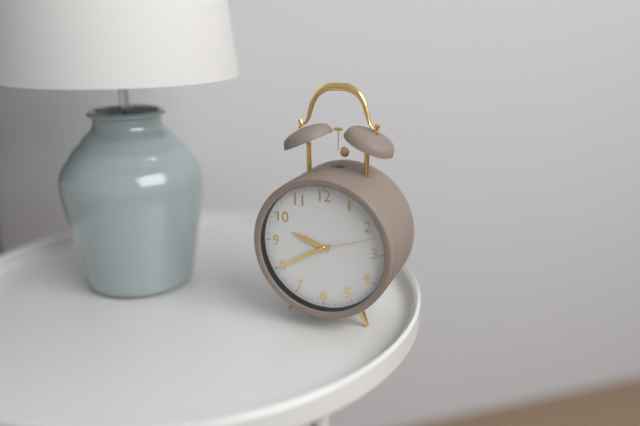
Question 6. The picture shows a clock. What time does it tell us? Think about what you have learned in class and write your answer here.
9:40:12
